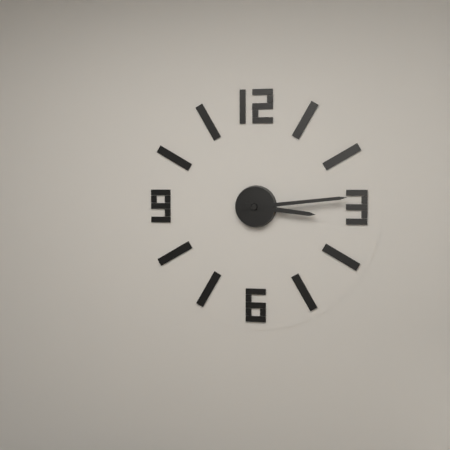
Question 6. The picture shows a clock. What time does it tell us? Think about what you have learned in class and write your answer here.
3:14
